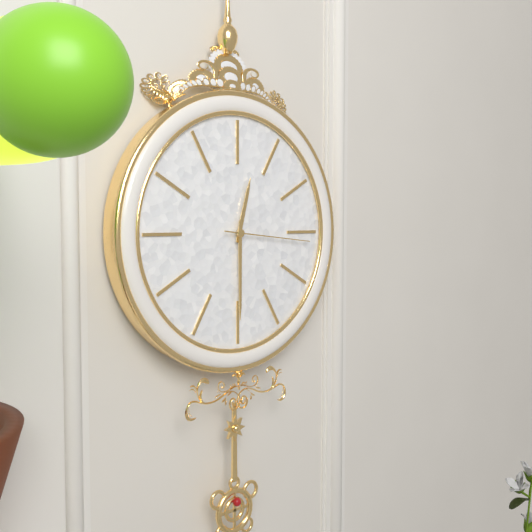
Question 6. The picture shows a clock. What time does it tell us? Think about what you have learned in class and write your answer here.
12:30:16
